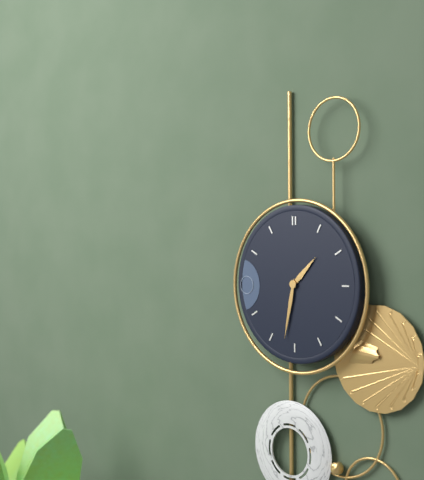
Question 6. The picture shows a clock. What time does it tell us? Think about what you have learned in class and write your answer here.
1:32
